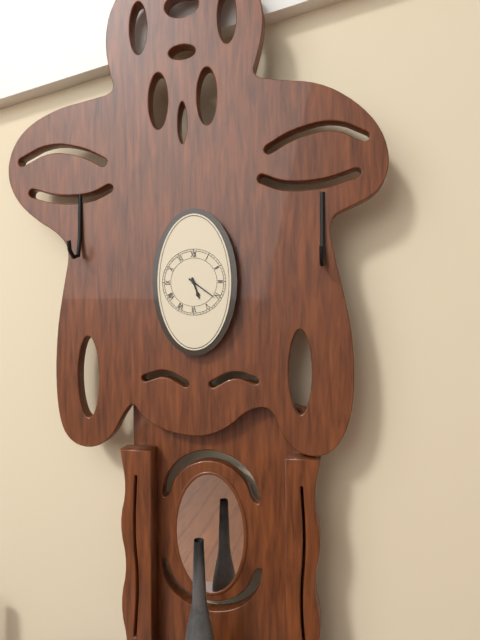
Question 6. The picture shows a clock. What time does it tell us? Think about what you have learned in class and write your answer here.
5:21
